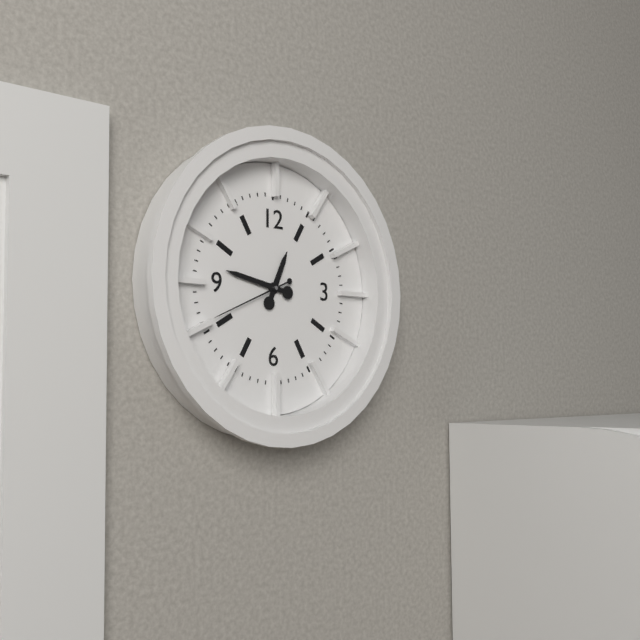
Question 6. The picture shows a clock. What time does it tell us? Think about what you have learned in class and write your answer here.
12:47:41
